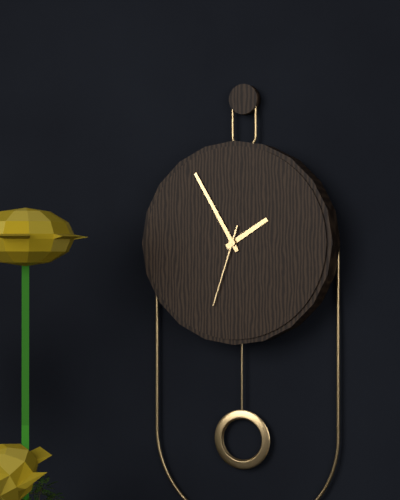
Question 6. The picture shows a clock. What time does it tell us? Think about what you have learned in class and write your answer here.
1:55:33
